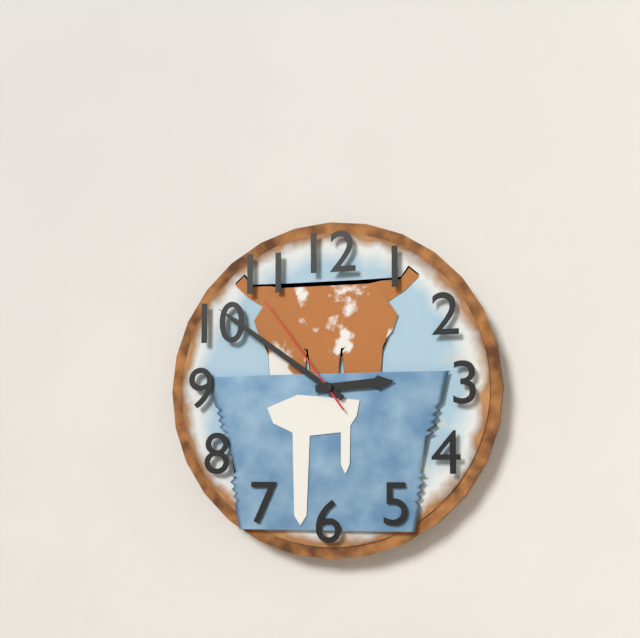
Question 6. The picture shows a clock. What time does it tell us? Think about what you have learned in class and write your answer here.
2:51:54
